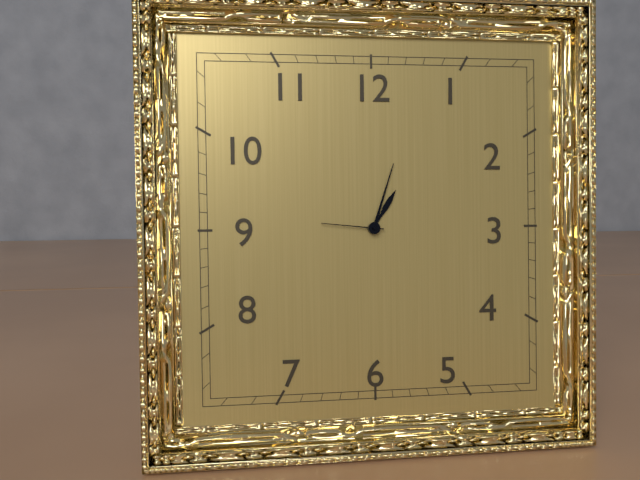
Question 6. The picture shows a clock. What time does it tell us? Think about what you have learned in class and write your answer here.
1:03:46
